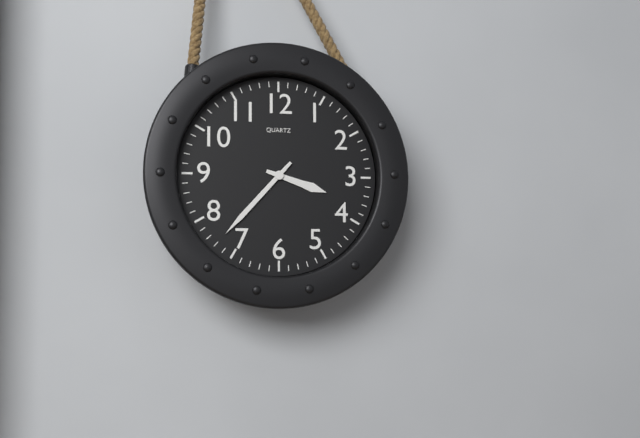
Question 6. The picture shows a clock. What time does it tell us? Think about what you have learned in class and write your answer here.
3:37
